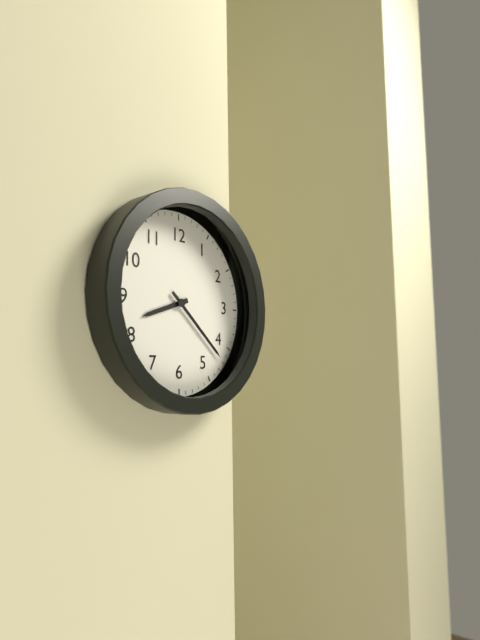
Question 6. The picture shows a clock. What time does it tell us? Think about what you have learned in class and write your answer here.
8:22
